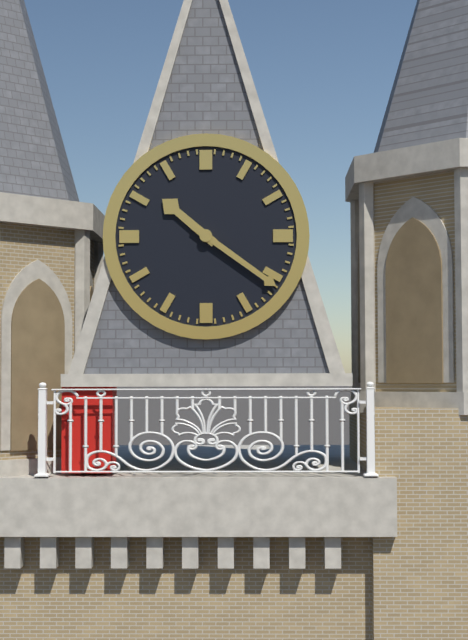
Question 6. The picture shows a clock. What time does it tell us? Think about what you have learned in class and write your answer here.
10:21
